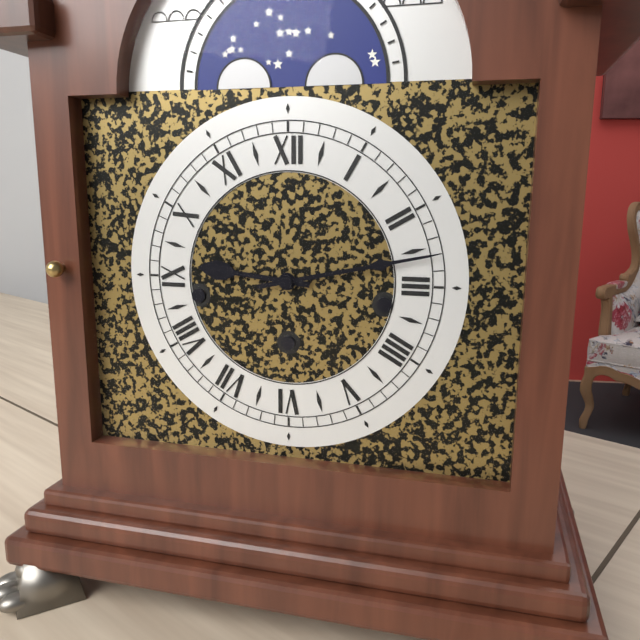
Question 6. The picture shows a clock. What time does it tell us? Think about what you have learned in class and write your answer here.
9:13
